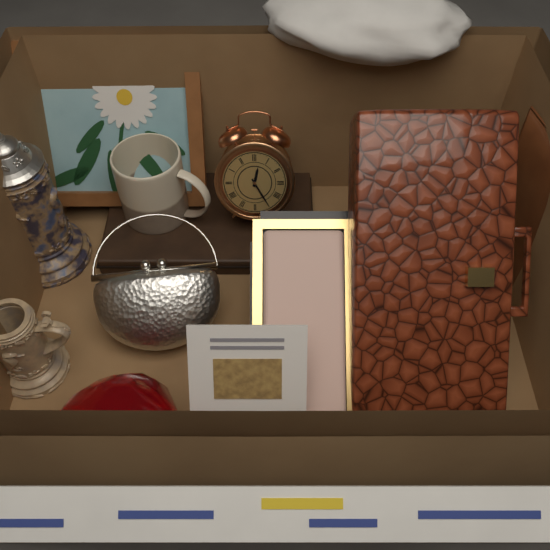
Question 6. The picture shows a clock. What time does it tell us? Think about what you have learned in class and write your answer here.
12:25
